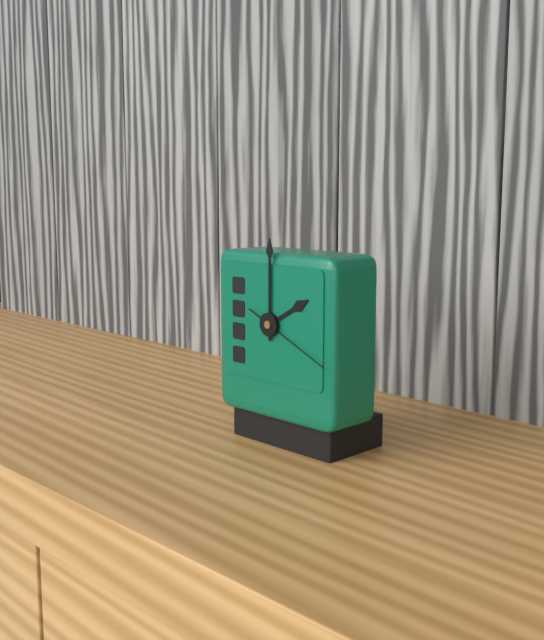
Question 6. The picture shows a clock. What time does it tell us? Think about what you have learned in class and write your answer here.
2:00:19
